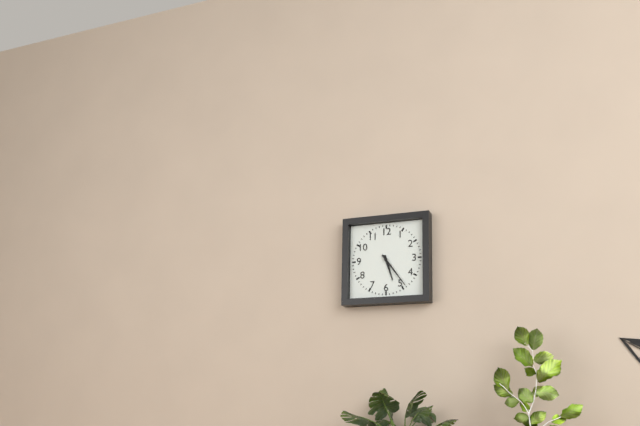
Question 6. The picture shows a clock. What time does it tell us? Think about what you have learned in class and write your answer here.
5:24
